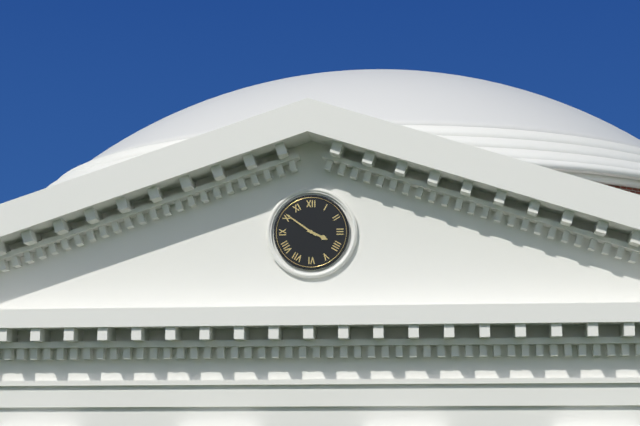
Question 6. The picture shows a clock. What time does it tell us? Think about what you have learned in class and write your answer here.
3:51
